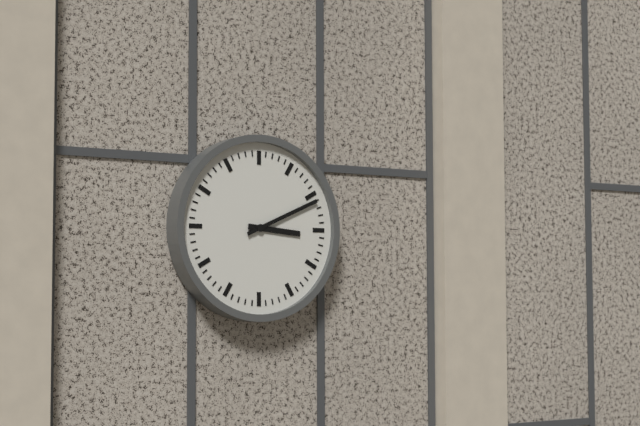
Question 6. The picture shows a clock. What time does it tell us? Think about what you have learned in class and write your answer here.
3:11
